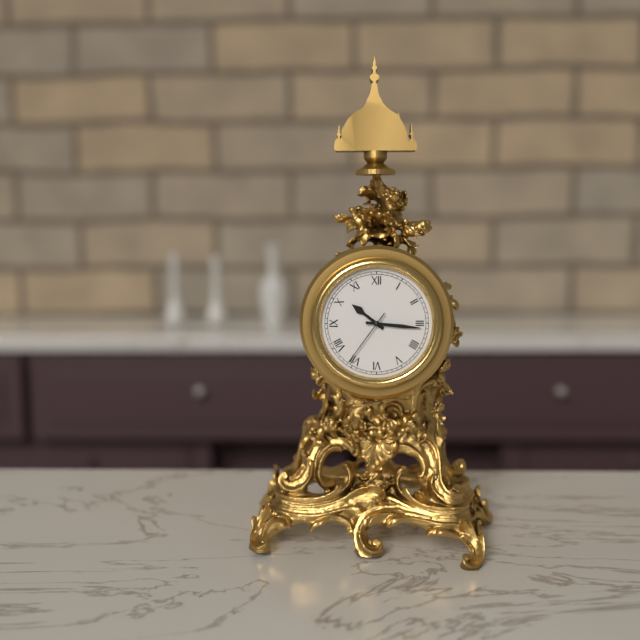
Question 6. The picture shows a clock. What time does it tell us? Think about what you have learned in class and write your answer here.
10:16:36
